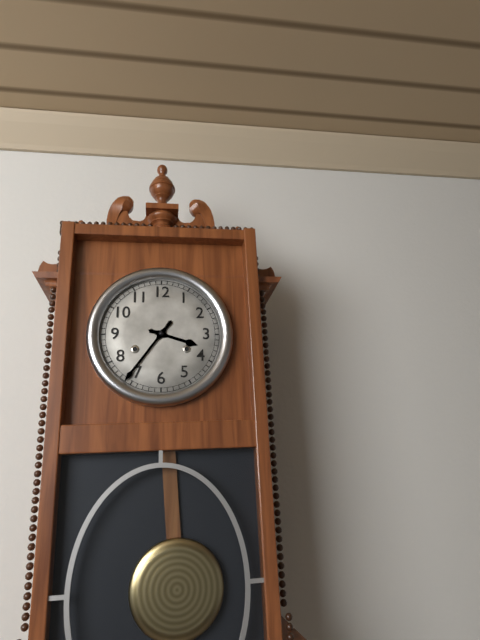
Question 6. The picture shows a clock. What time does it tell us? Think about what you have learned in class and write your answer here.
3:36
